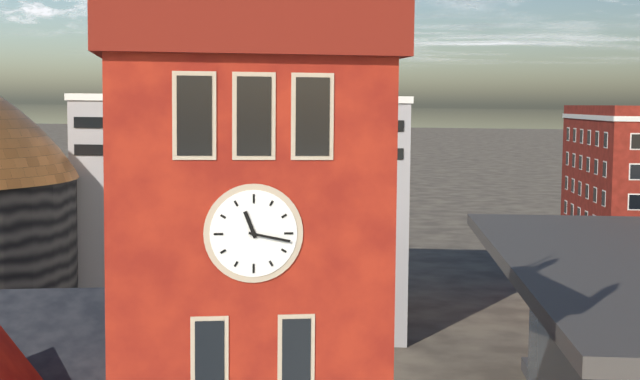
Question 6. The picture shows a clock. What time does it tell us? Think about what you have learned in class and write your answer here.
11:17
